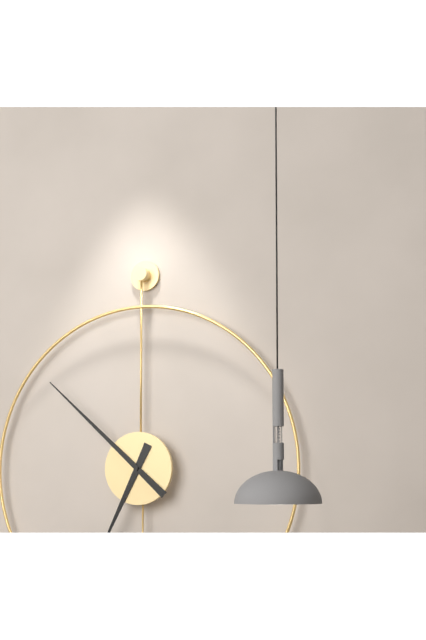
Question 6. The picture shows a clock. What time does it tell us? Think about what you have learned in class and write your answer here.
6:52
